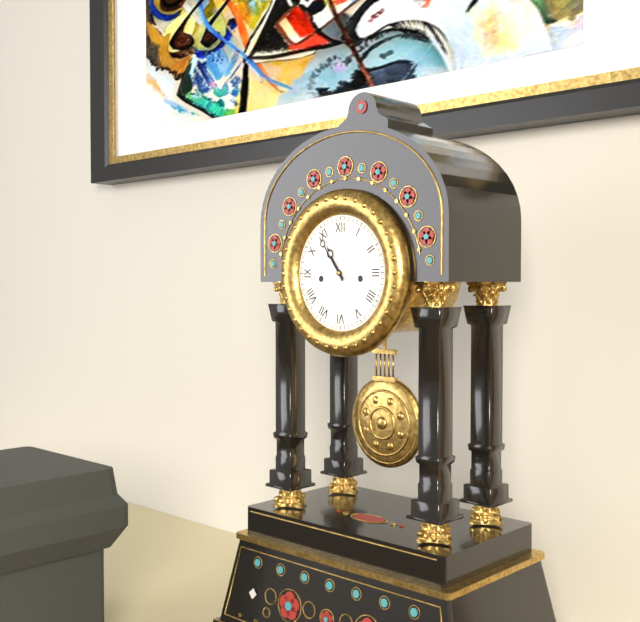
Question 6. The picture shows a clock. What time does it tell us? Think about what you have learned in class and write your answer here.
10:54
